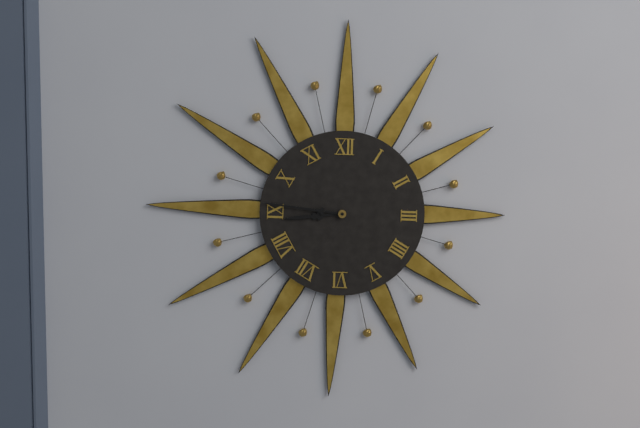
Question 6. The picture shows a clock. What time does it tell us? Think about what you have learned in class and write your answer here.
8:46
